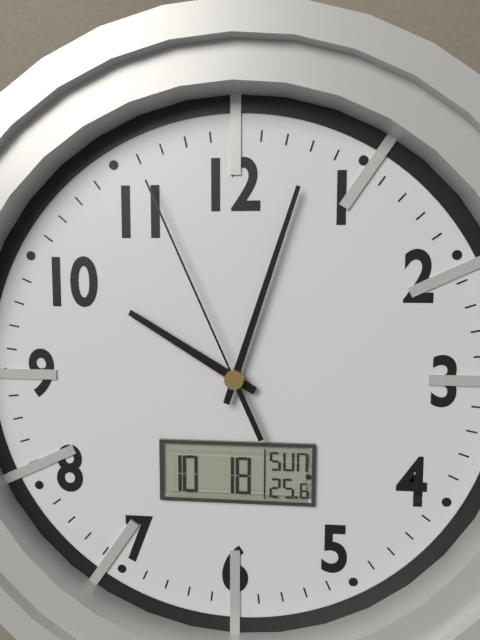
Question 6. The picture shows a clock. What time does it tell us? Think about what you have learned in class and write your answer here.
10:03:56
